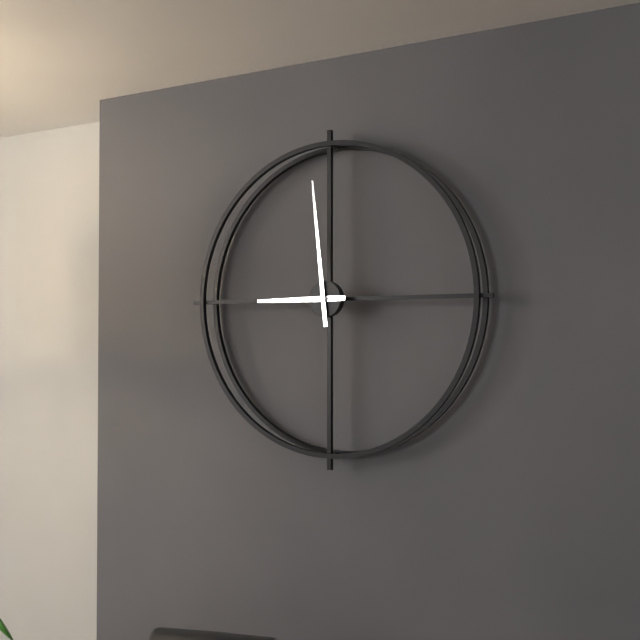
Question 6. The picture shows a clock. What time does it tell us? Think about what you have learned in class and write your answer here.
8:59
